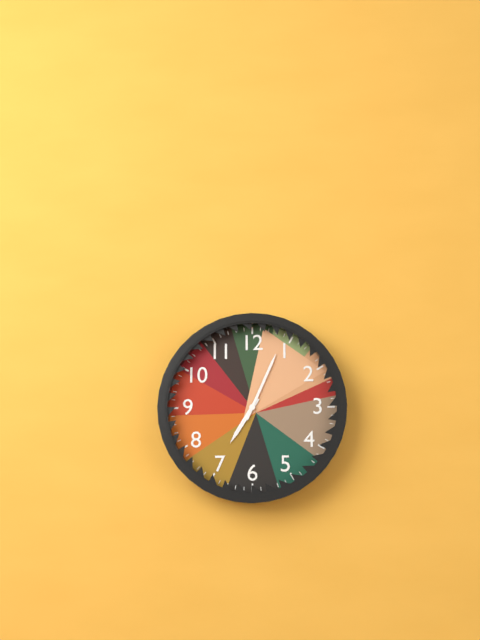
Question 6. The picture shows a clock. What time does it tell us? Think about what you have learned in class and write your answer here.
7:04
